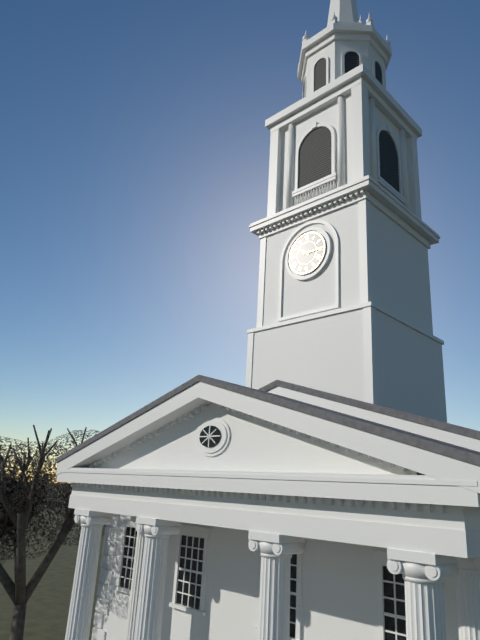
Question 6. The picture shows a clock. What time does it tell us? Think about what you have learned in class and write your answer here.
10:15
